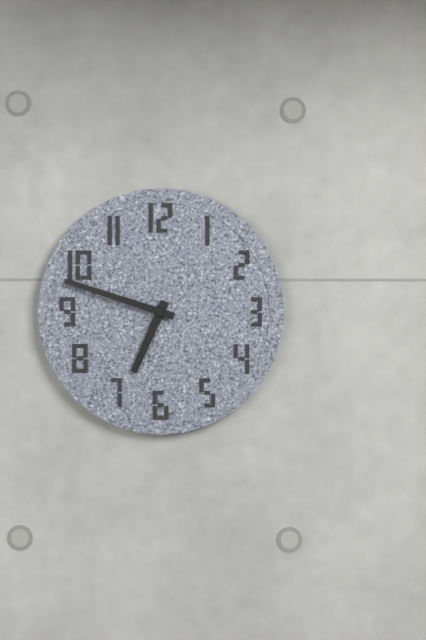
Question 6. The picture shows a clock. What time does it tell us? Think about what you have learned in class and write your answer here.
6:48
